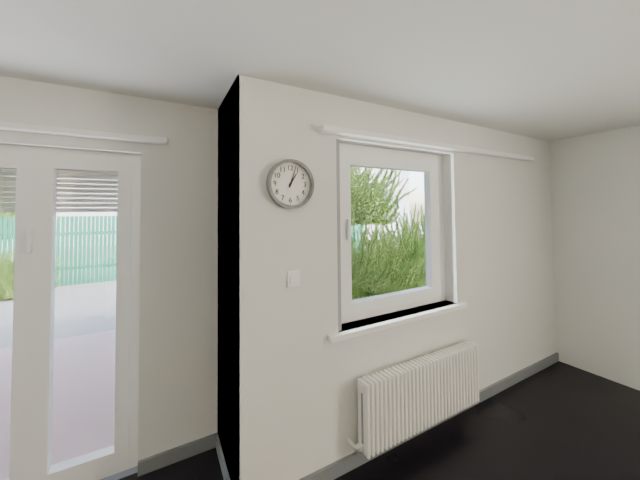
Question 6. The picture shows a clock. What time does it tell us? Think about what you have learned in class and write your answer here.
1:03
